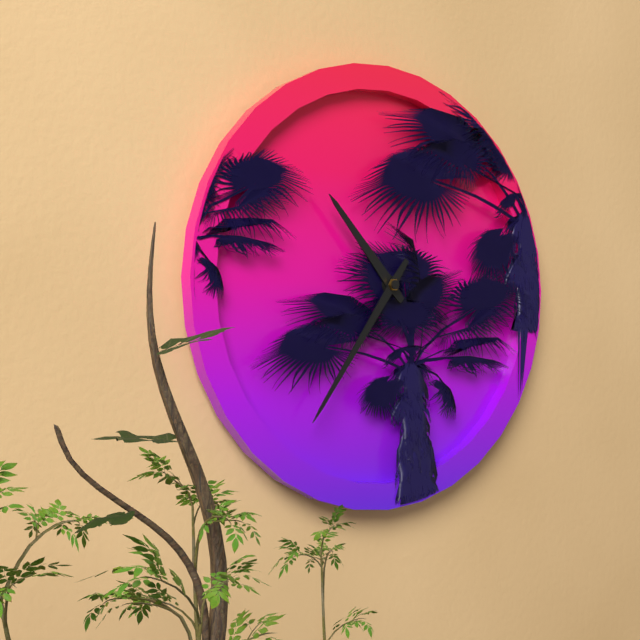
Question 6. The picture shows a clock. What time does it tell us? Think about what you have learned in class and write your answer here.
10:36
